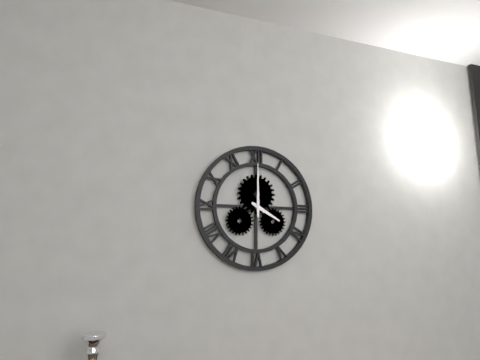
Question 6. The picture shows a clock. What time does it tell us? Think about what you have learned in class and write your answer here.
4:00
